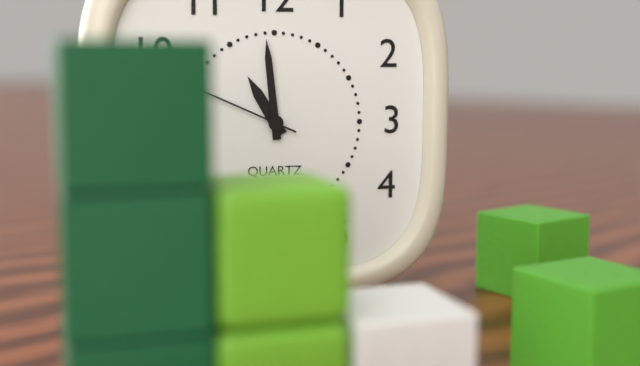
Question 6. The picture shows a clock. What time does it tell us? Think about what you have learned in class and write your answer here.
10:59:49
